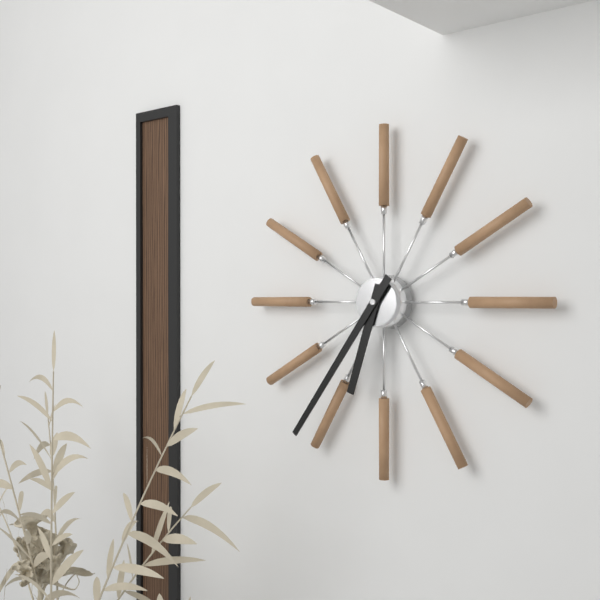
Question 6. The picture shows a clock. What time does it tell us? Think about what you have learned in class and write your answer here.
6:36
